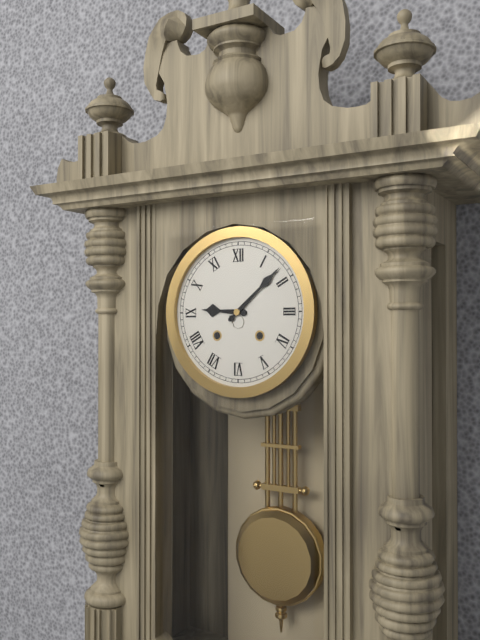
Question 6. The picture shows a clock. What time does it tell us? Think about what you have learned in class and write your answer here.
9:08
